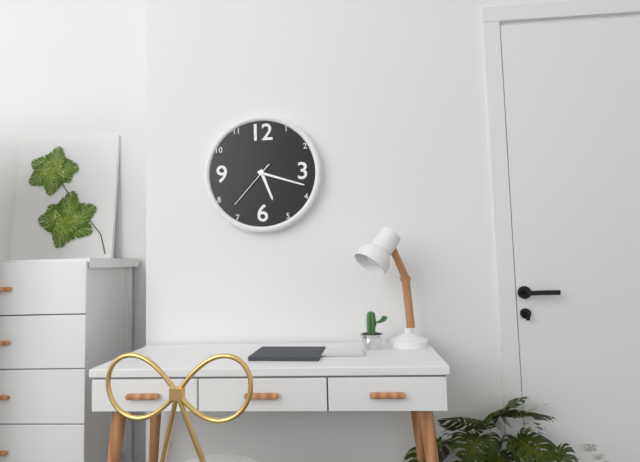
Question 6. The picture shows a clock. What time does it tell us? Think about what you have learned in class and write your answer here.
5:18:37
